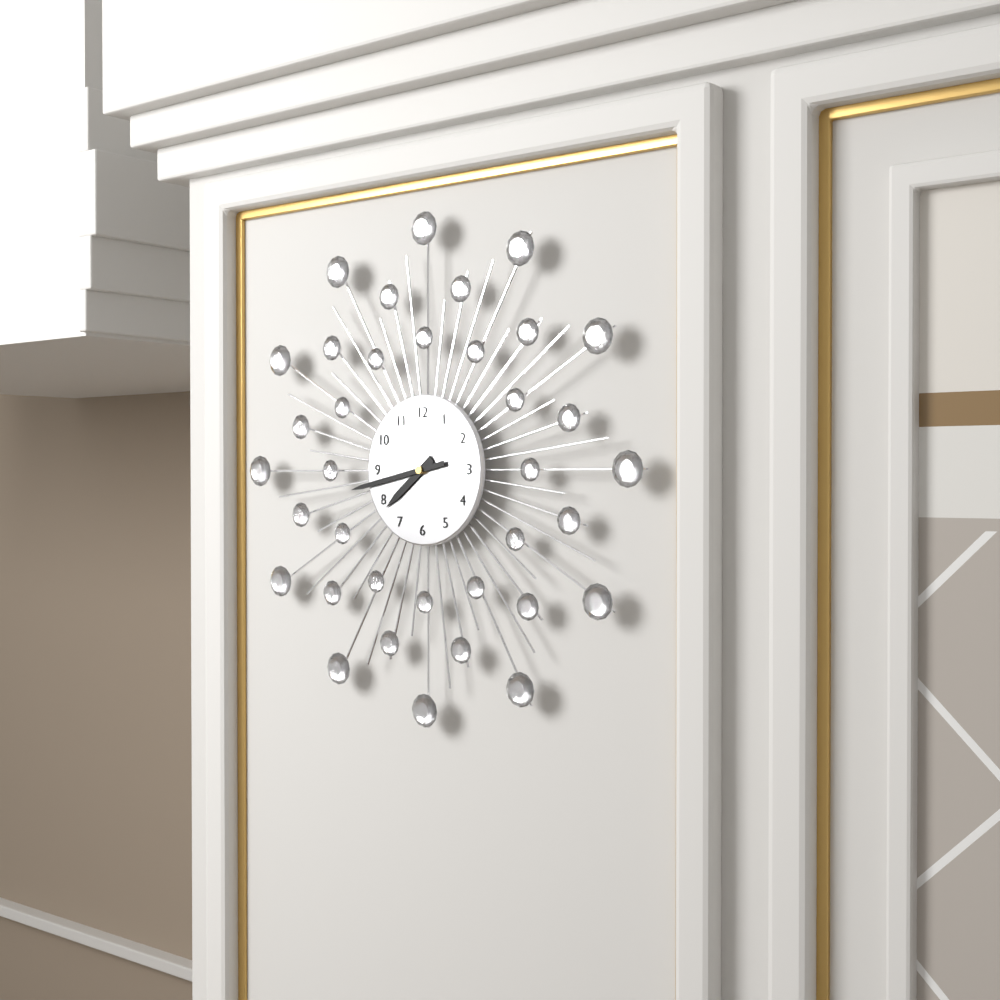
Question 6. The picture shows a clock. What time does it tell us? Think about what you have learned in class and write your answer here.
7:43
